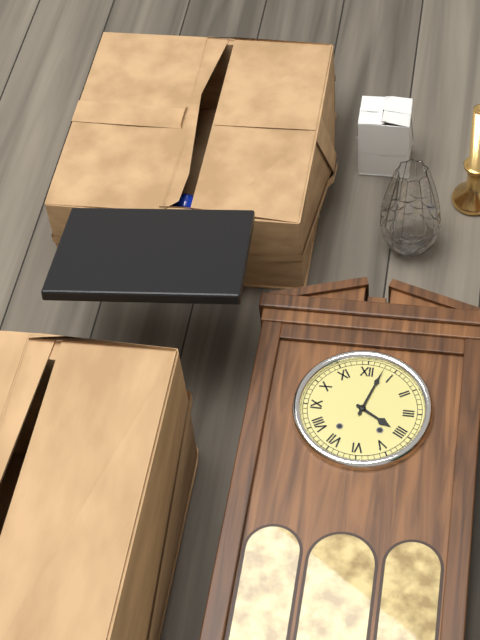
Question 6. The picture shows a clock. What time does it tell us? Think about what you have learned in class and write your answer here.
4:03
